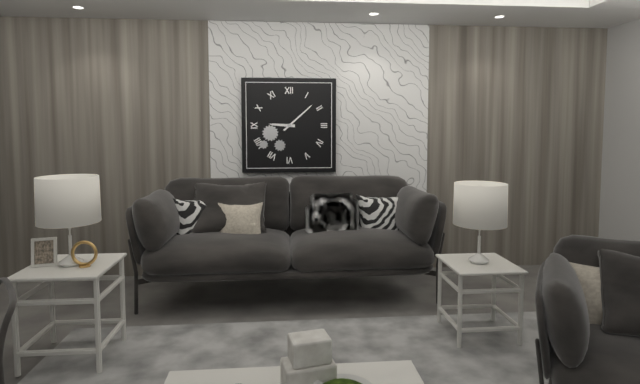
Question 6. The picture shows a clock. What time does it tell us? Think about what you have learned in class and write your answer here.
9:08
